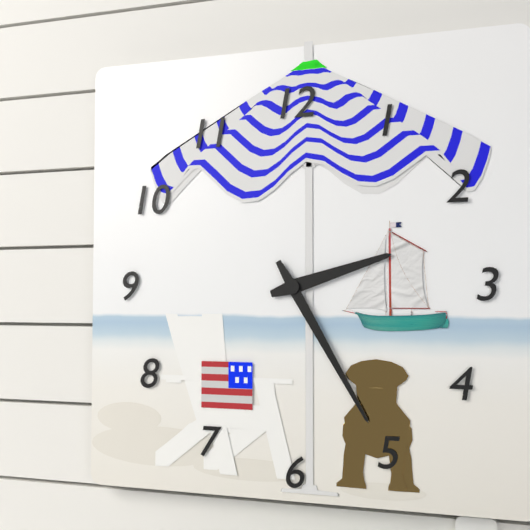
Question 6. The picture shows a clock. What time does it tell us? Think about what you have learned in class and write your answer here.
2:25
